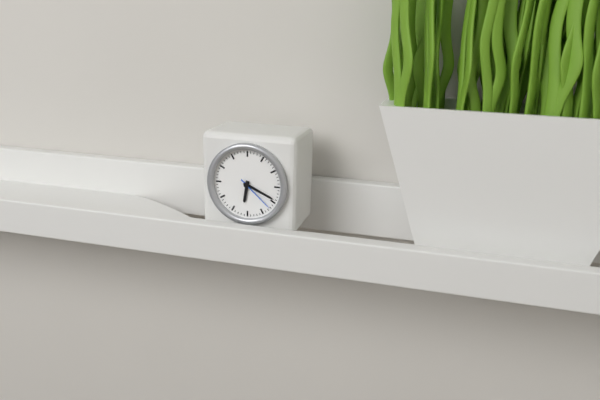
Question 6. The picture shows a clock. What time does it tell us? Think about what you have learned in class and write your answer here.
6:19
